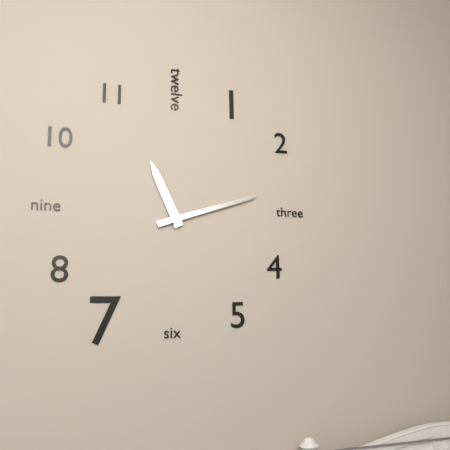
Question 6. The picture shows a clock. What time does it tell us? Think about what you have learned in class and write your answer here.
11:12
